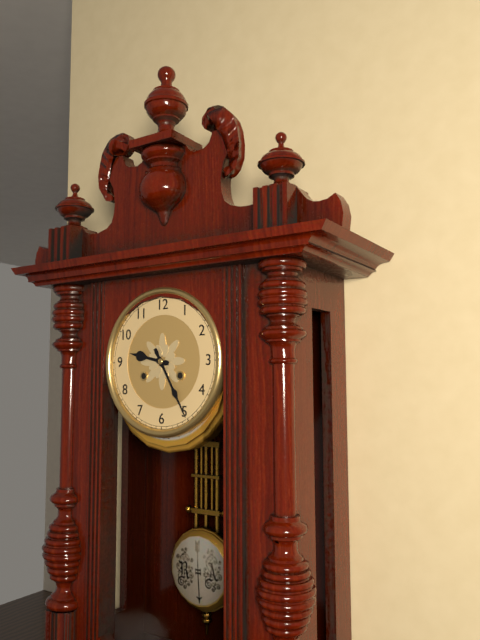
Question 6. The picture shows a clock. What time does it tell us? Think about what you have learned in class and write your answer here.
9:25
